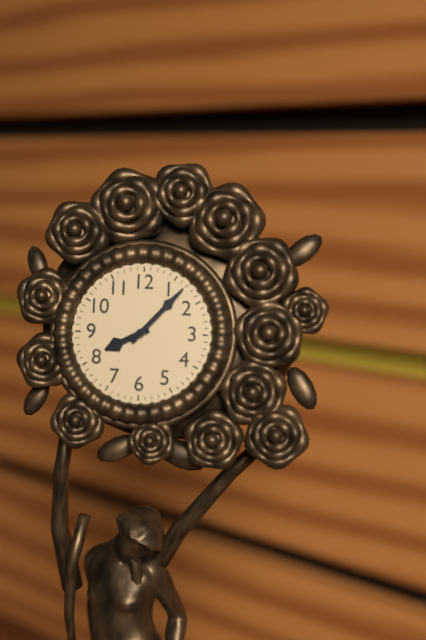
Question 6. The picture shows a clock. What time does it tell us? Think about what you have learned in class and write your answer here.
8:07
